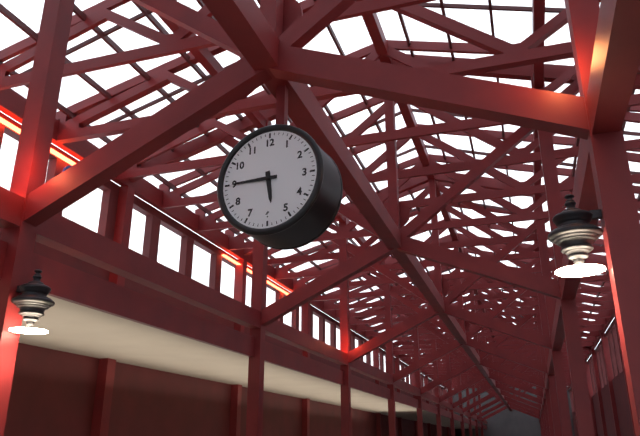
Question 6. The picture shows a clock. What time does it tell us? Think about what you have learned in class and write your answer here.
5:45
